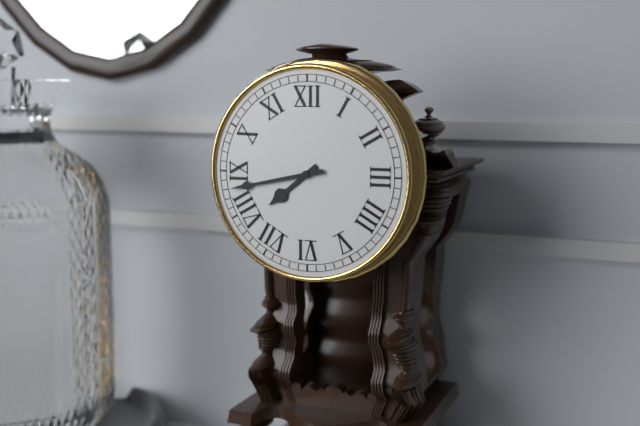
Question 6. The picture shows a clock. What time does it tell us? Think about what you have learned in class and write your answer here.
7:43
